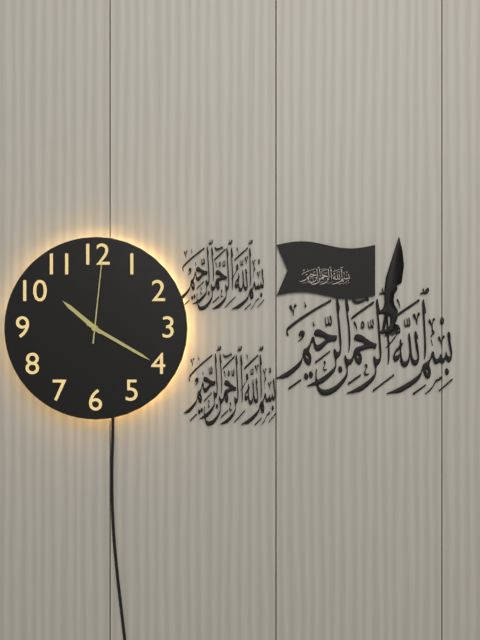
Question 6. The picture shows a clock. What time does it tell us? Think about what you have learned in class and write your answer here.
10:20:01
